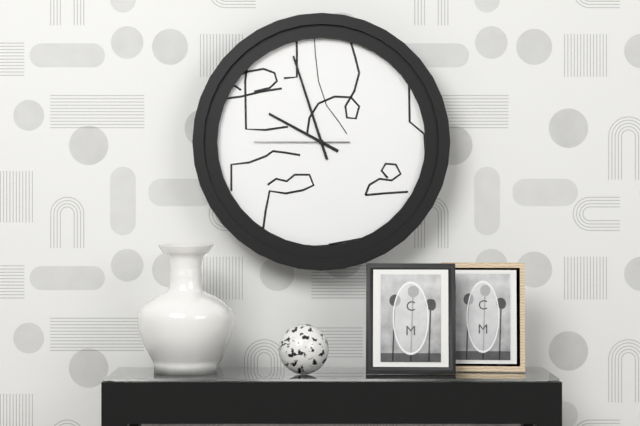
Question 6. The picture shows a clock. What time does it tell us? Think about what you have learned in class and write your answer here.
9:57:45
